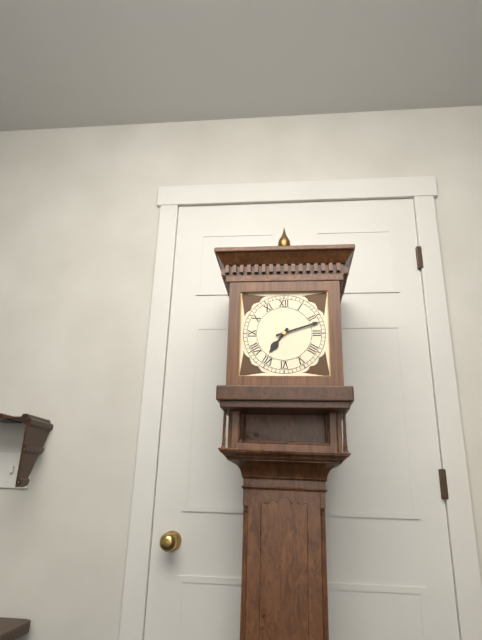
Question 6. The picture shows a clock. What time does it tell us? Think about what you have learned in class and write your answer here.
7:12
